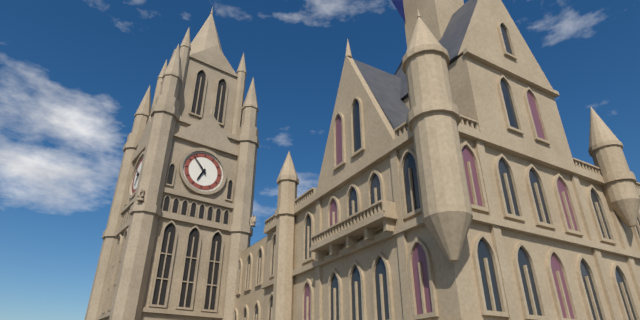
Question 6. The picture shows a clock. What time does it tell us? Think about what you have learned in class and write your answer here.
6:53
